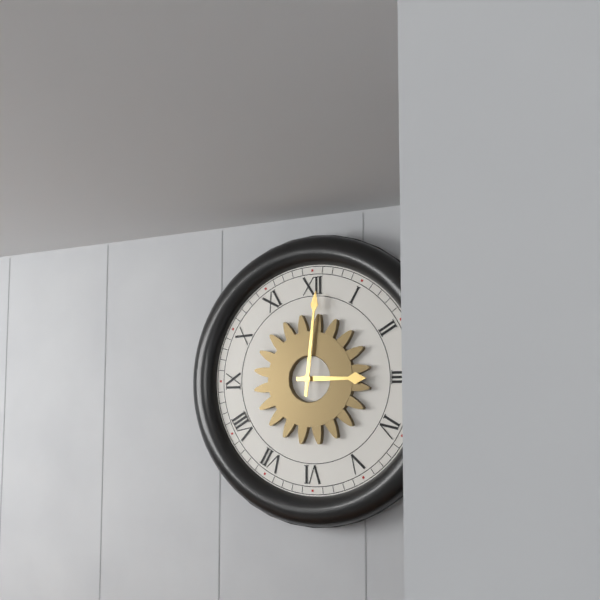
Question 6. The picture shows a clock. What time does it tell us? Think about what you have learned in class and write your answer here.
3:01
